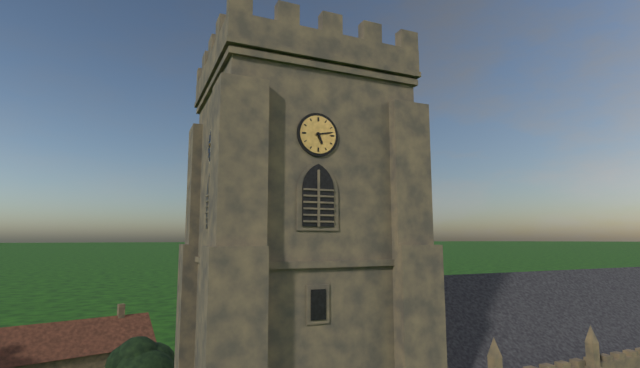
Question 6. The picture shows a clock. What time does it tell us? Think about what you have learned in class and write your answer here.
5:13
